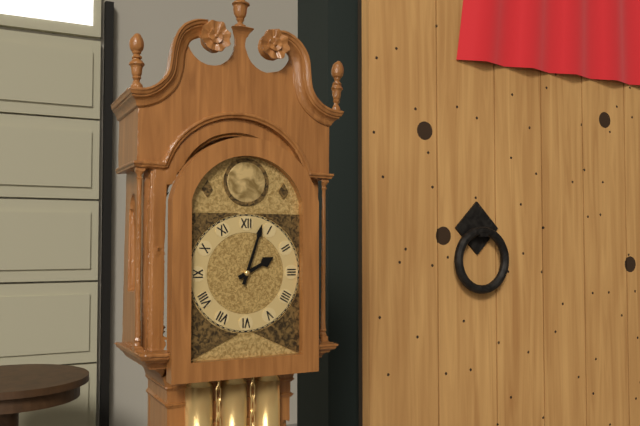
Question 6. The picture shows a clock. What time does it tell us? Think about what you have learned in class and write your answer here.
2:03
